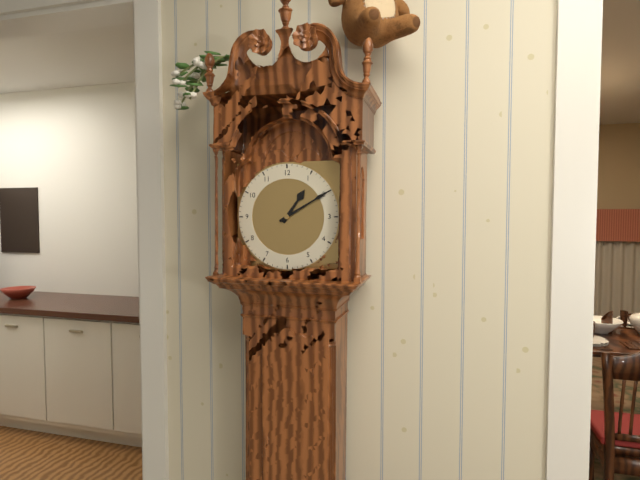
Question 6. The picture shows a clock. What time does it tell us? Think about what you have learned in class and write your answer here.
1:10
